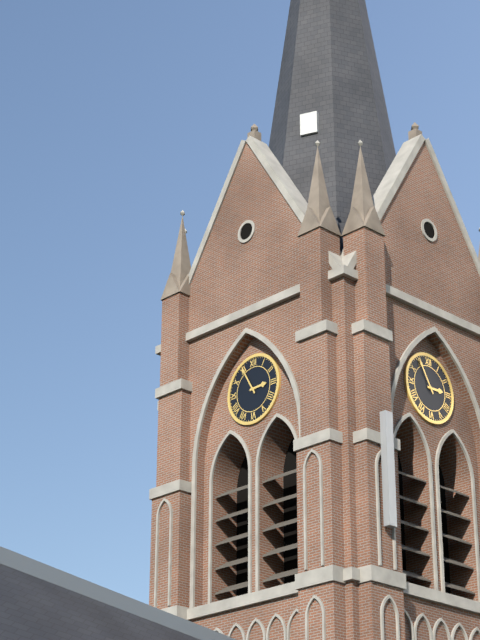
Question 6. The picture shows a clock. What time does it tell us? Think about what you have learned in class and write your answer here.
2:55
